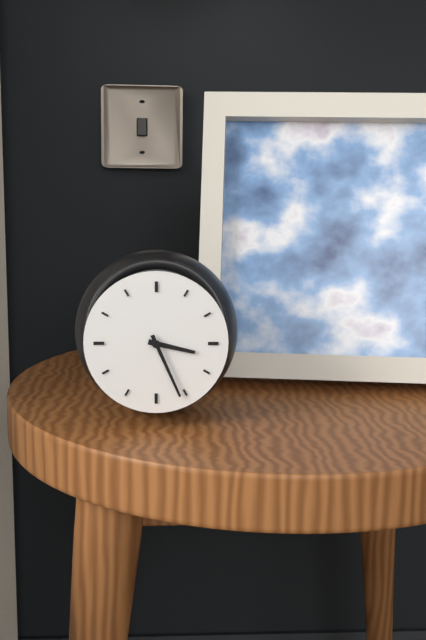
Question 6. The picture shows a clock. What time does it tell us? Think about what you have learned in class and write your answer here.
3:26
